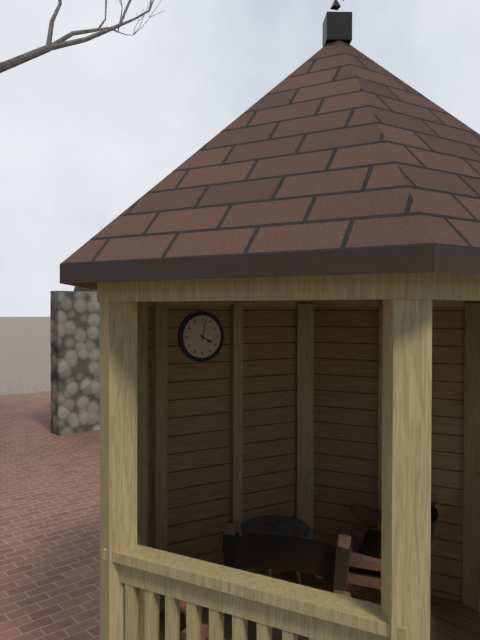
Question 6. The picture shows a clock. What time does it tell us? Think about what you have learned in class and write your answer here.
4:02
